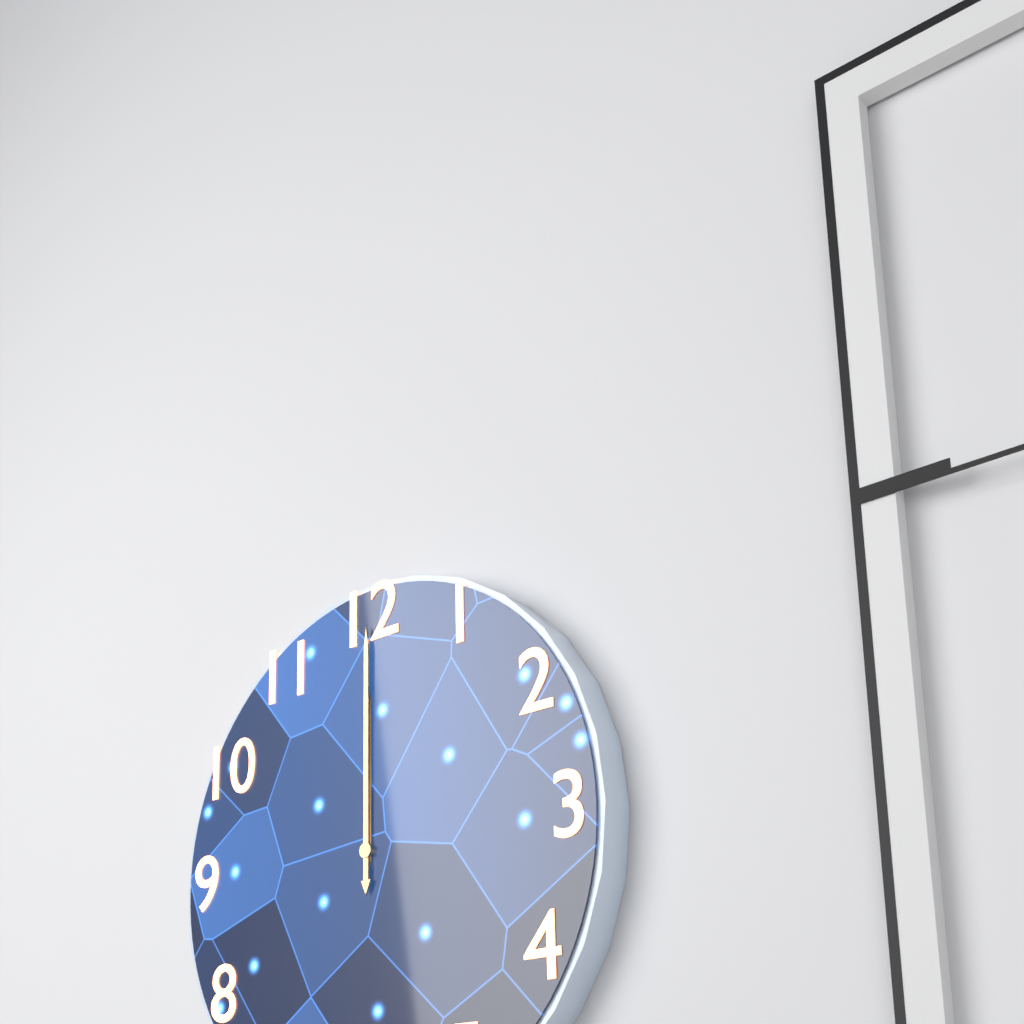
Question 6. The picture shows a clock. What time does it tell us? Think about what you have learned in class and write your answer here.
12:00
